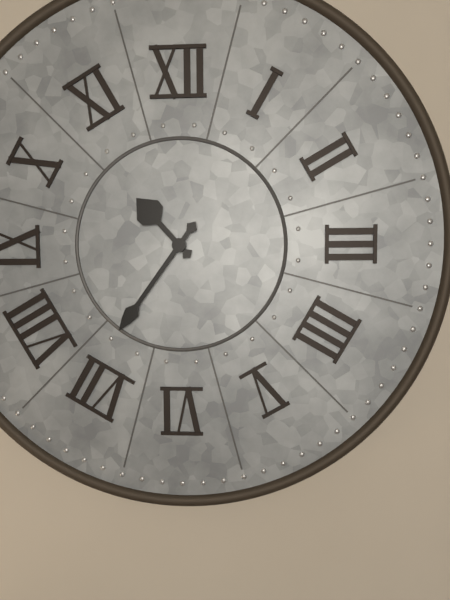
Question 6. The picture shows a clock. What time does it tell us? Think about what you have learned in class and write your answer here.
10:36
